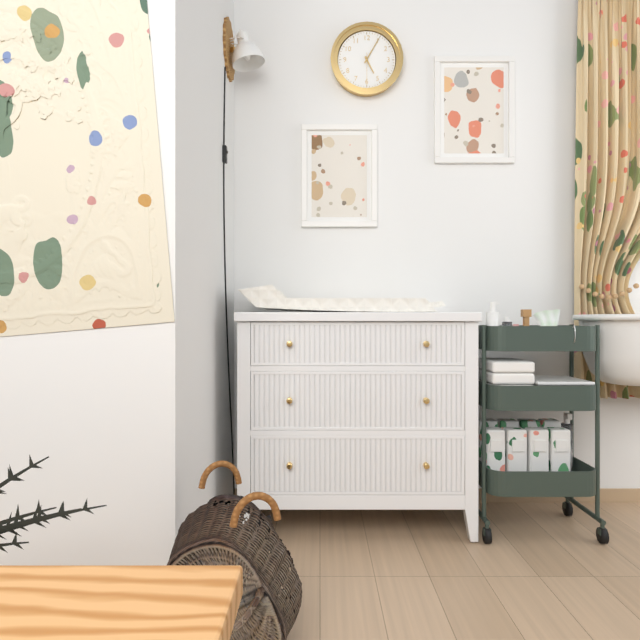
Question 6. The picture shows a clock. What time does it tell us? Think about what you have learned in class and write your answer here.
5:05
